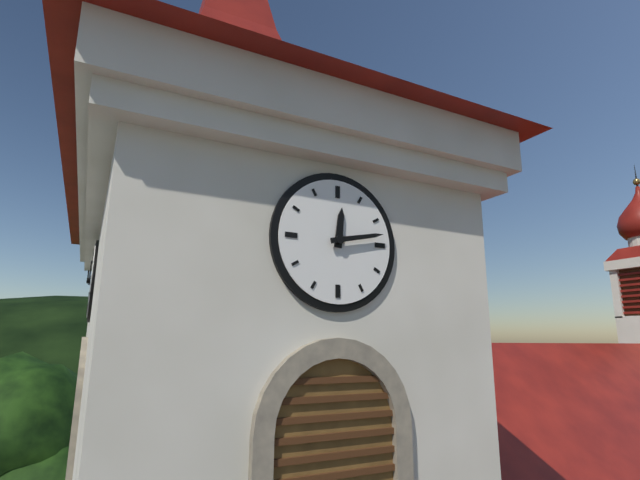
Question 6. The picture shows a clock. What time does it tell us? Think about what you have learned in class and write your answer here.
12:13
